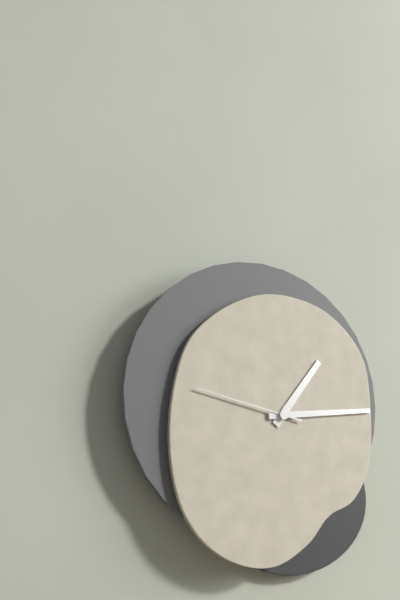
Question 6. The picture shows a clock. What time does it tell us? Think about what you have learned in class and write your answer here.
1:14:47
